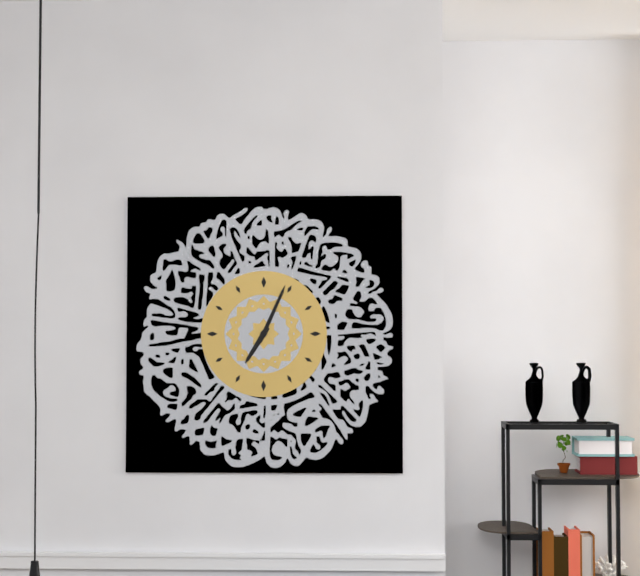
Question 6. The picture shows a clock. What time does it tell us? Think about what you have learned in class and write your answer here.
7:04
